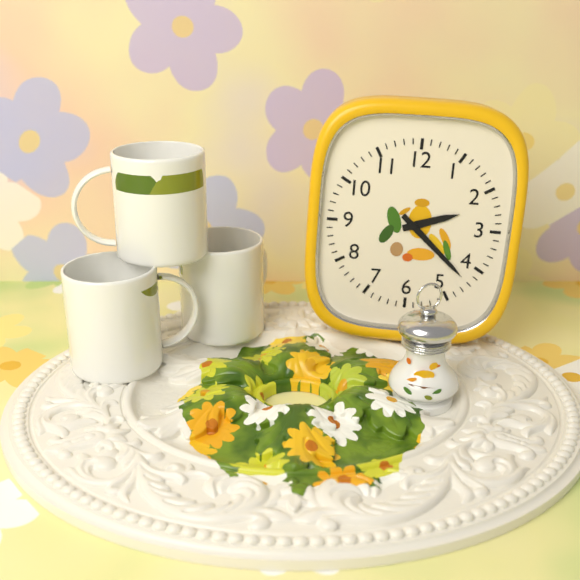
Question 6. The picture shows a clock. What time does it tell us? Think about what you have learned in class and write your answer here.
2:22
